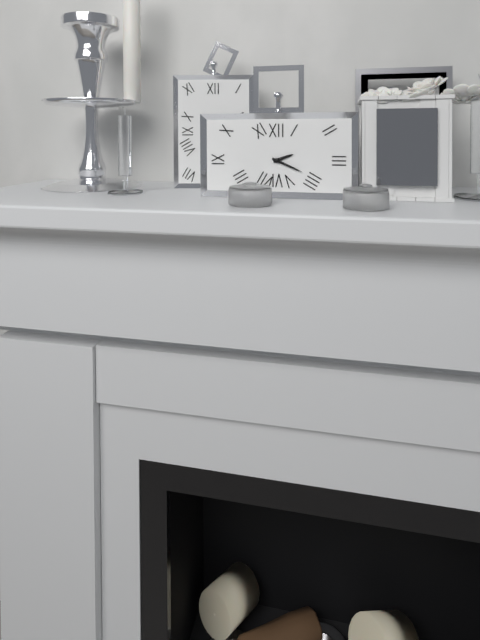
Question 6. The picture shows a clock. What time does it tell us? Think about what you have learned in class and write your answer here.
2:19
